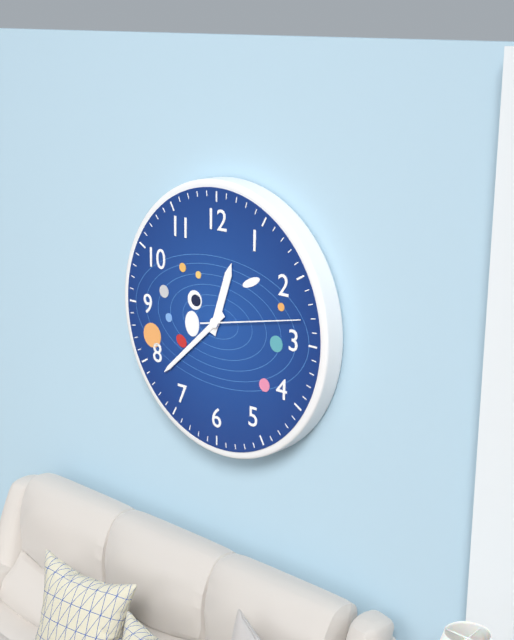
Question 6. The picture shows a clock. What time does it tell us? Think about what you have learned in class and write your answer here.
12:38:13
